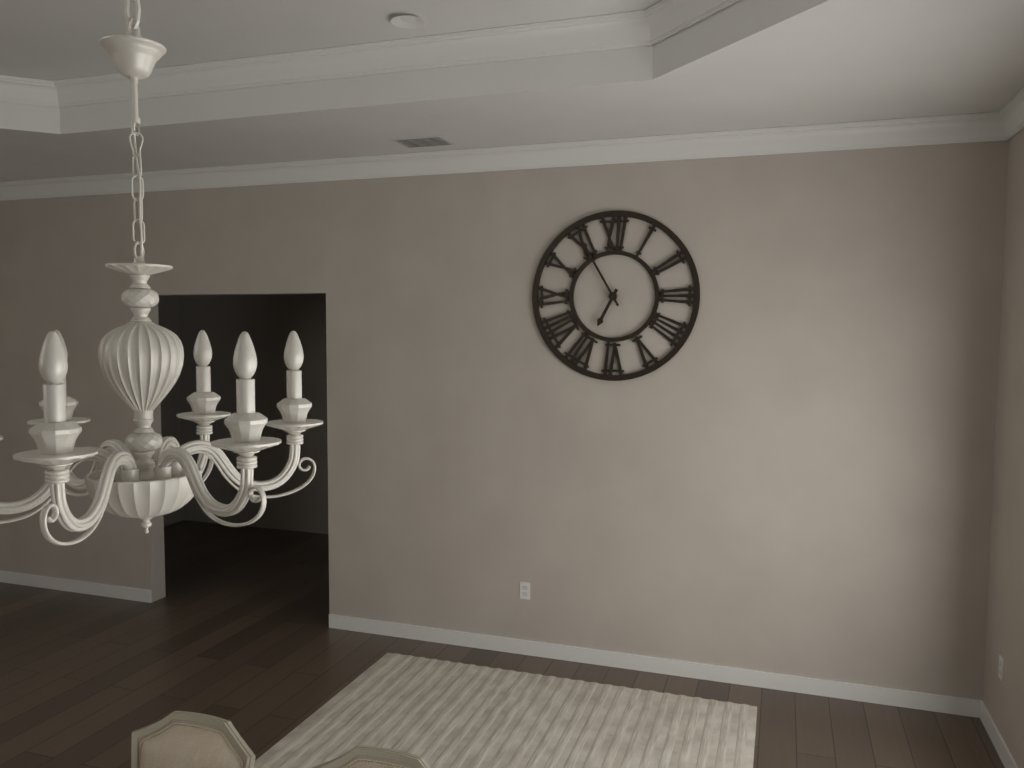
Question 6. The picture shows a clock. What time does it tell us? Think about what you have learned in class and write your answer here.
6:55
